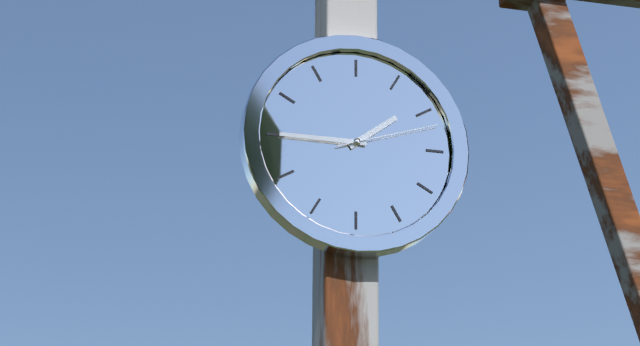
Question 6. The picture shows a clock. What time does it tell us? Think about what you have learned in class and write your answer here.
1:45:12
